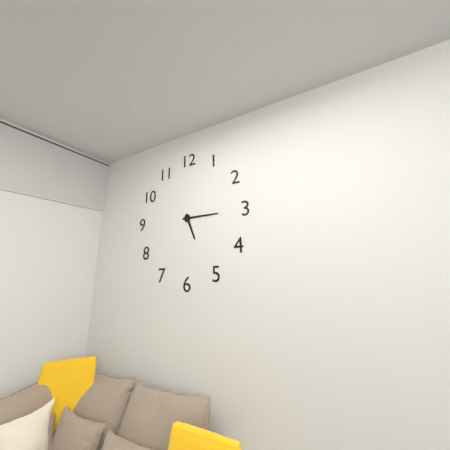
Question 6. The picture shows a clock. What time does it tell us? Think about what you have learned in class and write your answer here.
5:15
